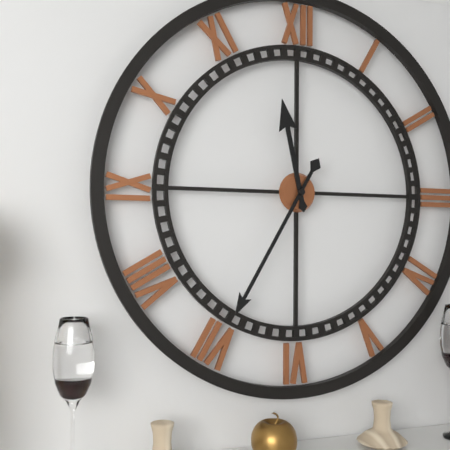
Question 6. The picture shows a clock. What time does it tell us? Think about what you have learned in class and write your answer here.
11:35
